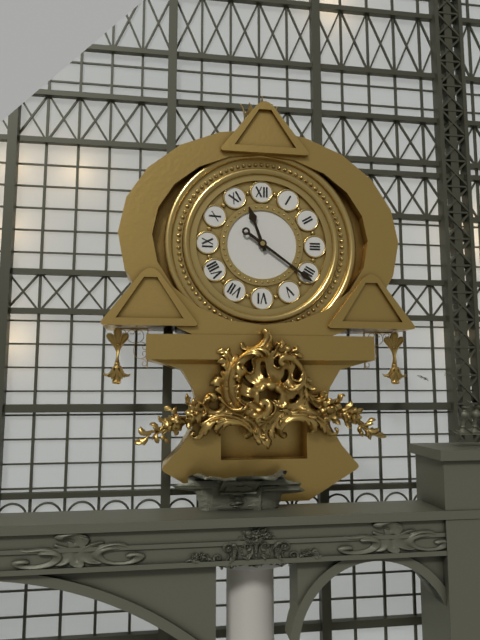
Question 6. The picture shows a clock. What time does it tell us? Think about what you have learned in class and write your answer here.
11:21
